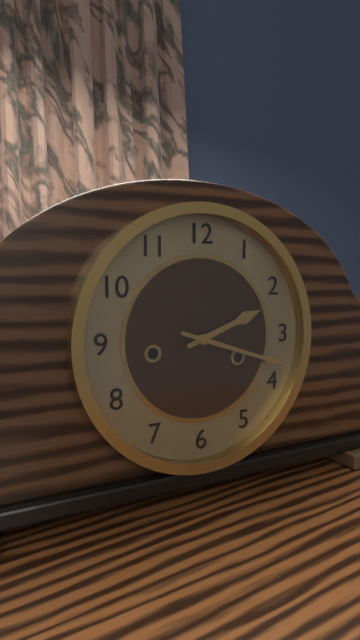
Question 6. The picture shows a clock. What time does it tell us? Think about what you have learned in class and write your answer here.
2:18
